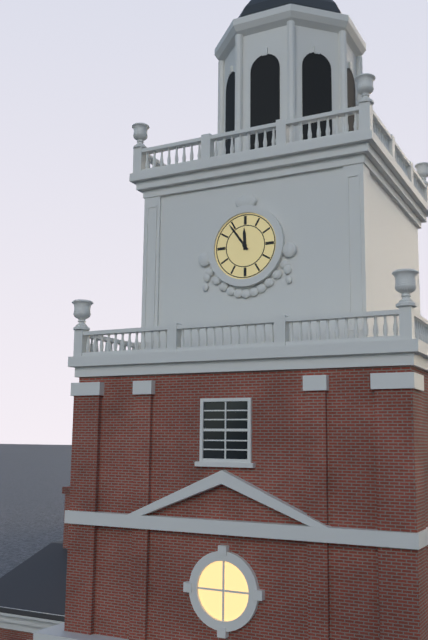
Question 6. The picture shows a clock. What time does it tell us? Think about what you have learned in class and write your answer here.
11:54
